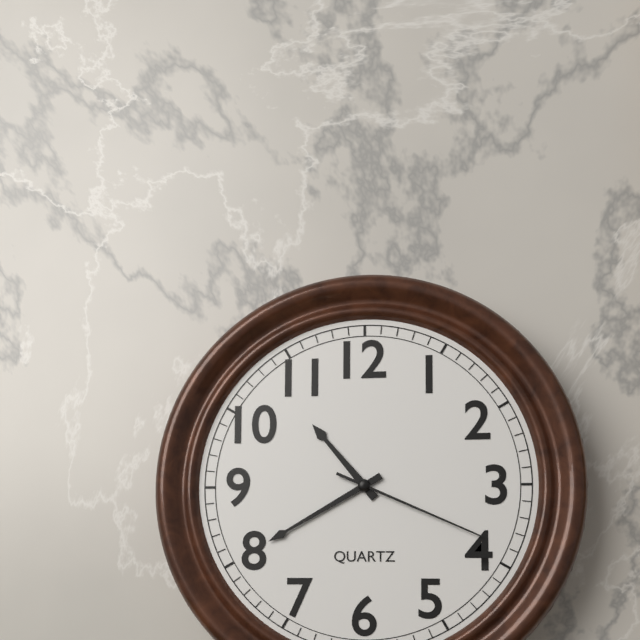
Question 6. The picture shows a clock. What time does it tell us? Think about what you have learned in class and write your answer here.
10:40:19
